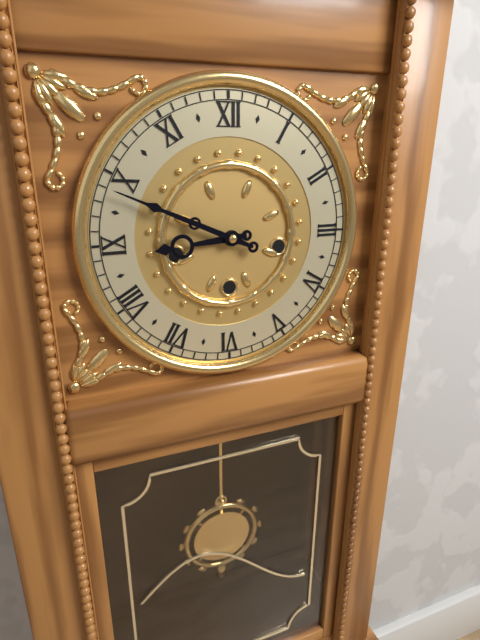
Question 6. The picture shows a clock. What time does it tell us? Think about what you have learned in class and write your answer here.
8:49
